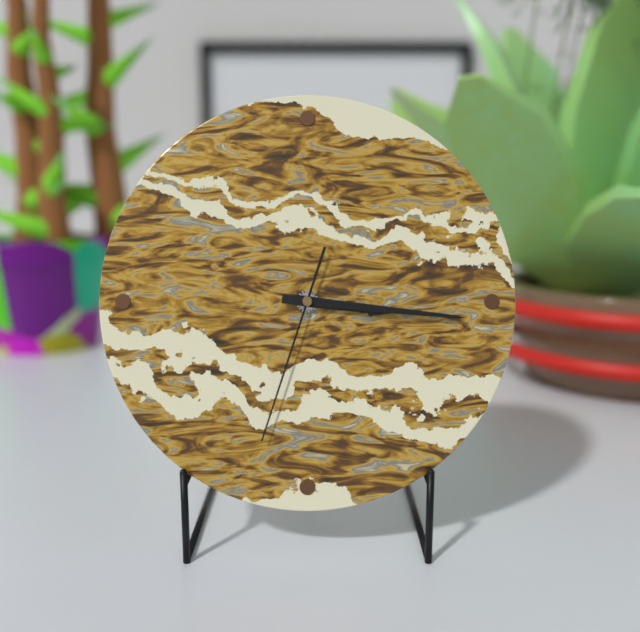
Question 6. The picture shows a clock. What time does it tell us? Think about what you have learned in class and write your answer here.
3:16:33
